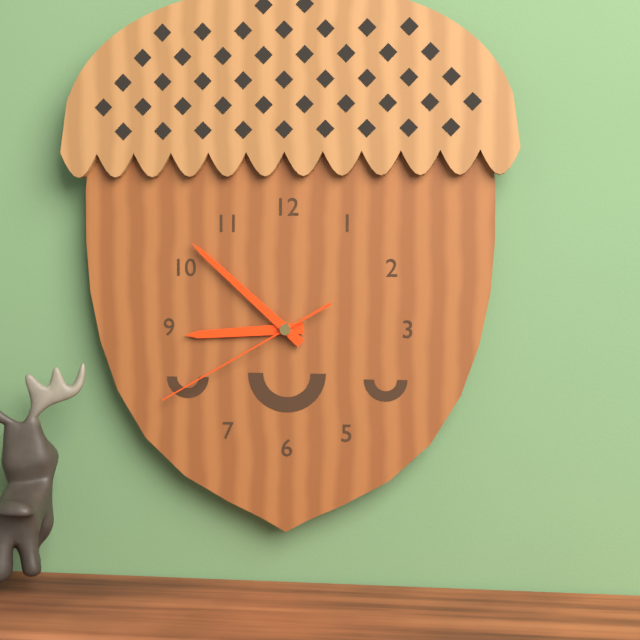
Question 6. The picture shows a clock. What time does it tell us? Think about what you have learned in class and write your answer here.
8:52:40
